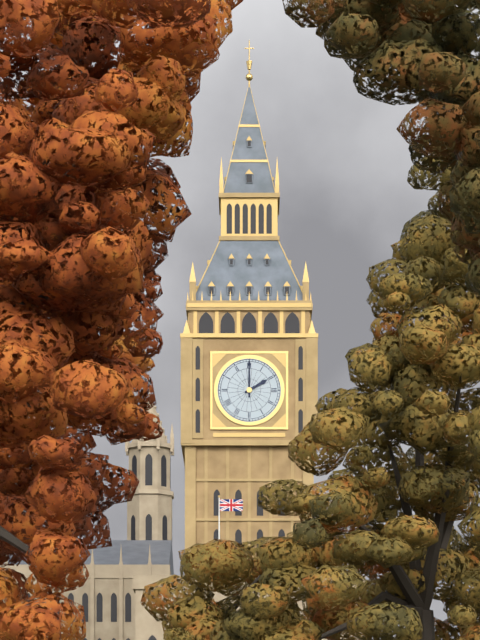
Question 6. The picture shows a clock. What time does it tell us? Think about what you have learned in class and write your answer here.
2:00
